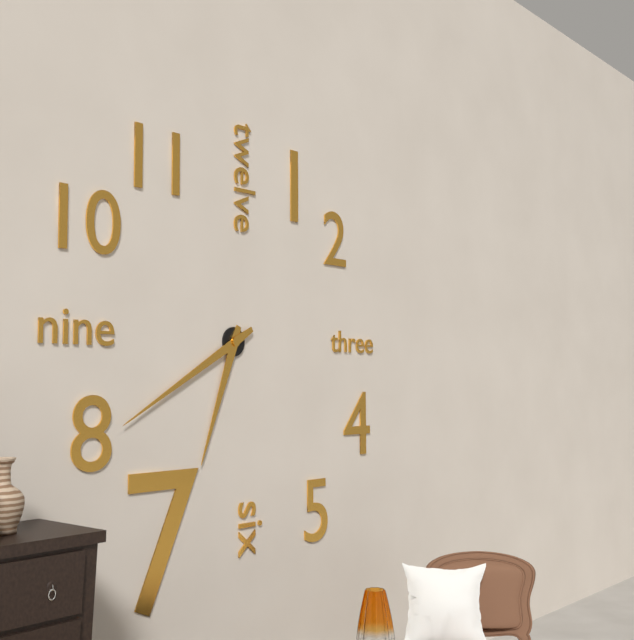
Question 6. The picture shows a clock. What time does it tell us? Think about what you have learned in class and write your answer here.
6:40
